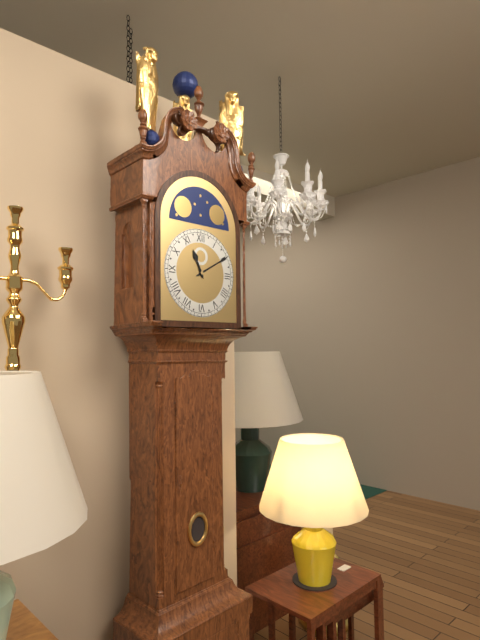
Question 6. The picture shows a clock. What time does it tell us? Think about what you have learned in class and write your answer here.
11:10
